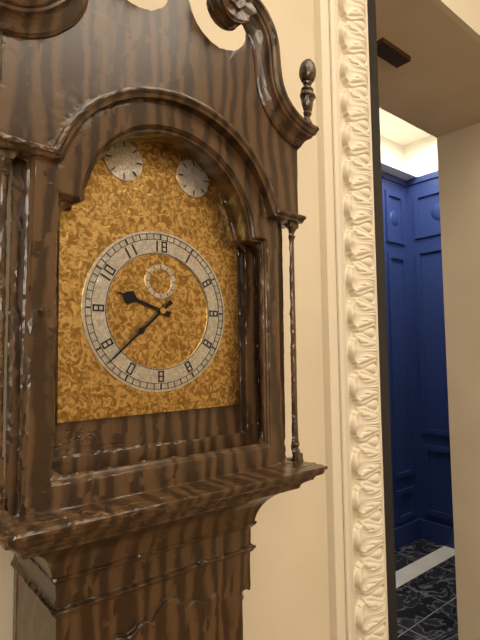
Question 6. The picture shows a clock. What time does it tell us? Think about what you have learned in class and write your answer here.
9:38
